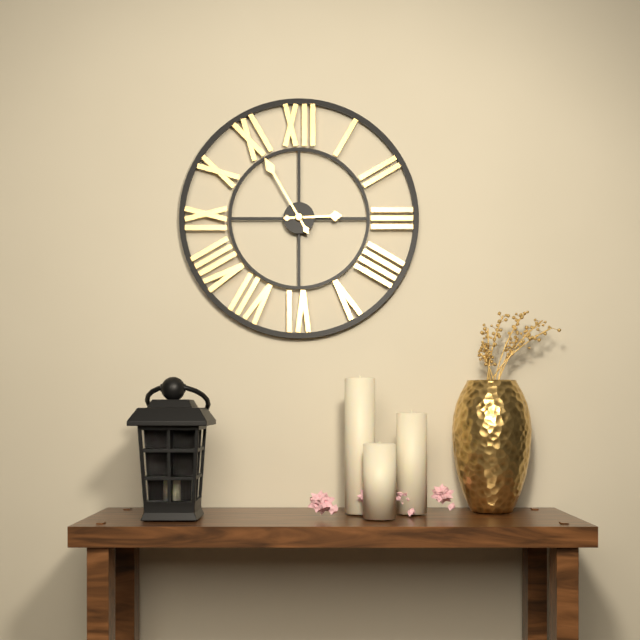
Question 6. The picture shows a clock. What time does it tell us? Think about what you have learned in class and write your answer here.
2:55
